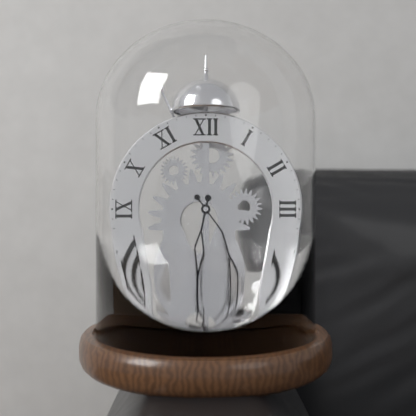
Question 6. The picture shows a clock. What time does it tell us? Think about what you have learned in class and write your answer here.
6:24
